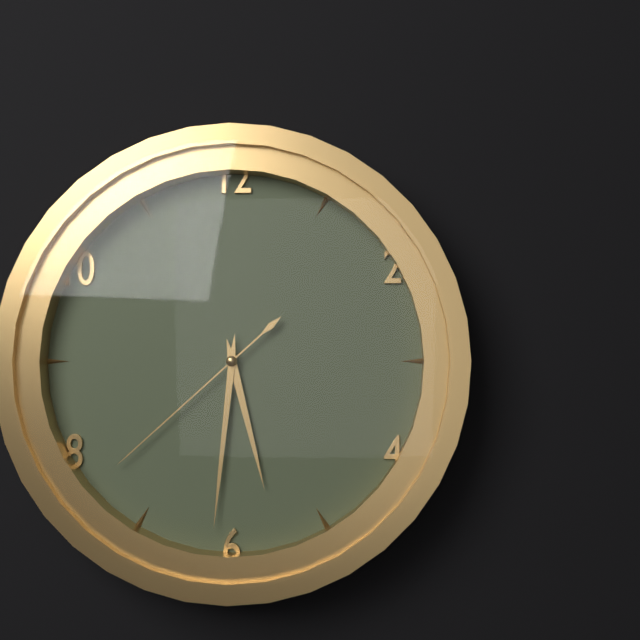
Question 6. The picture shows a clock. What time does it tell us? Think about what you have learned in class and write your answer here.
5:31:38
